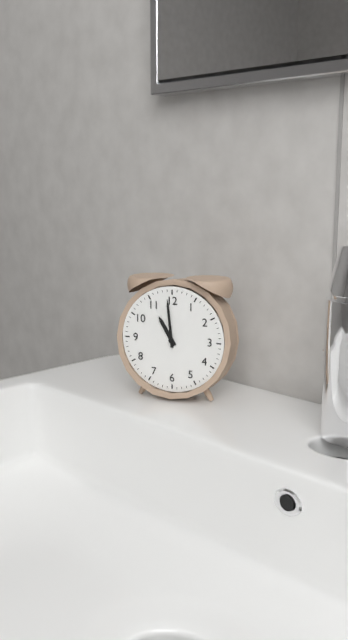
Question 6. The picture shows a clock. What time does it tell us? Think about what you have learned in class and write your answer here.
10:59
